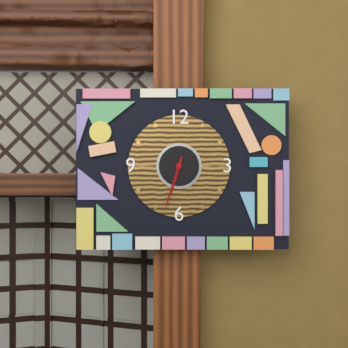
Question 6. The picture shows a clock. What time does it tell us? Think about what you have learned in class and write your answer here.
6:33
